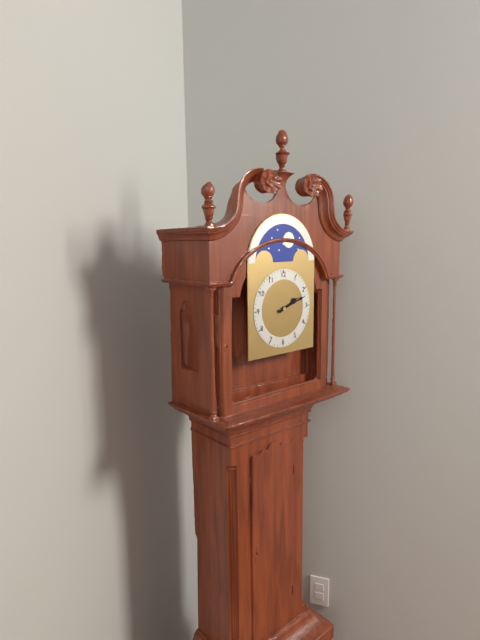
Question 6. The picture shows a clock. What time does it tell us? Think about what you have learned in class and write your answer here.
2:12
